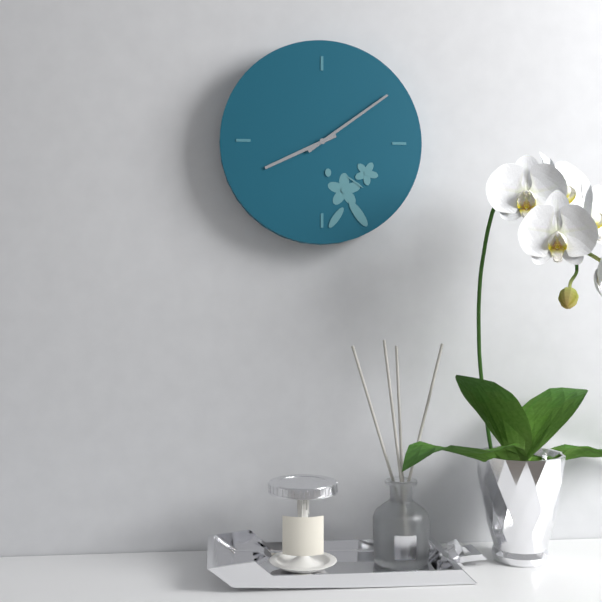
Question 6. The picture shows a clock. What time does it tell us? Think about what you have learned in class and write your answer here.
8:09
